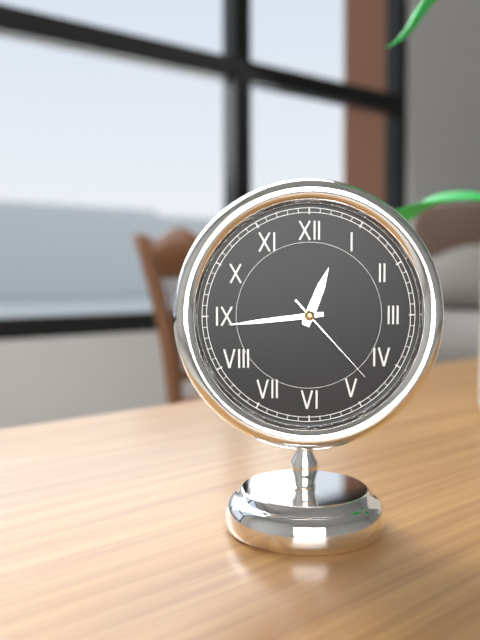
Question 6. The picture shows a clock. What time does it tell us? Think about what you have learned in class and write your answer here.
12:44:23
